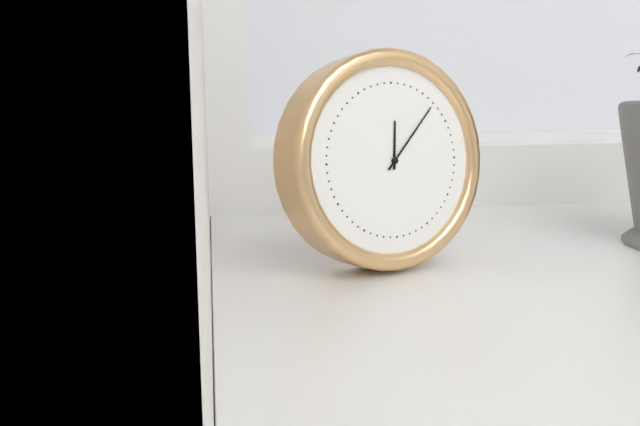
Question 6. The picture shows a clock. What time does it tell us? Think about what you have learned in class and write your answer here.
12:07
